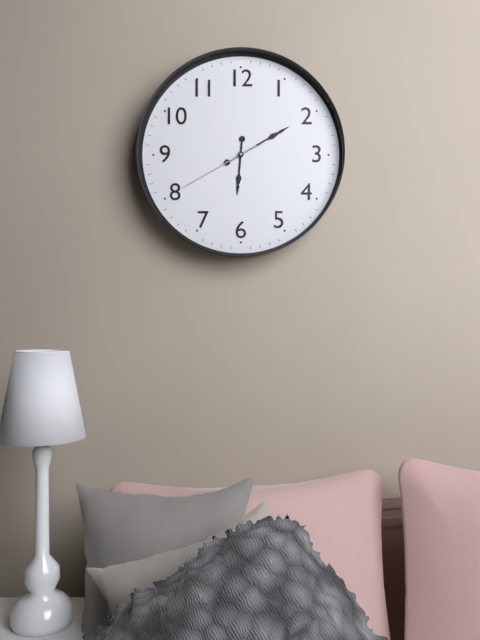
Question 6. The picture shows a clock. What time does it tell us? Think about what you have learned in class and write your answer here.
6:10:40
